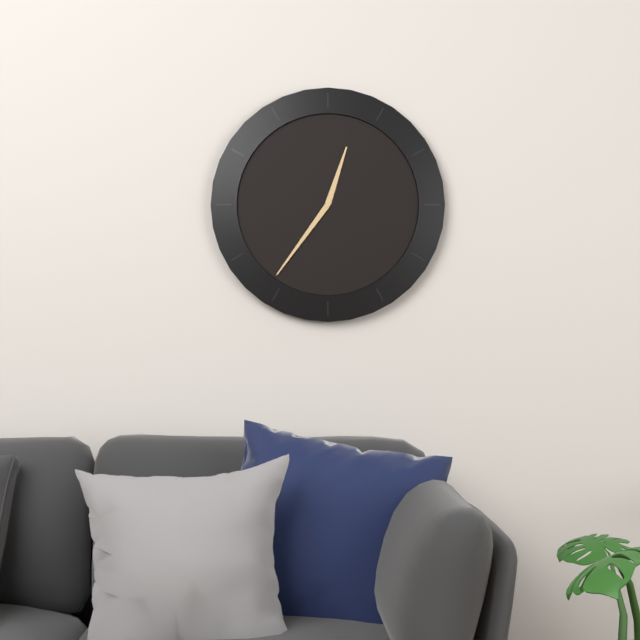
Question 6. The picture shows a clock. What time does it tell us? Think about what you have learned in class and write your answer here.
12:36
